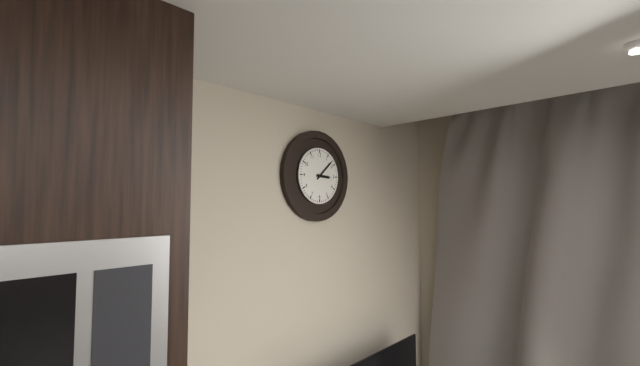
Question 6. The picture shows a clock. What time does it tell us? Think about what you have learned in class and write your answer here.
3:08
